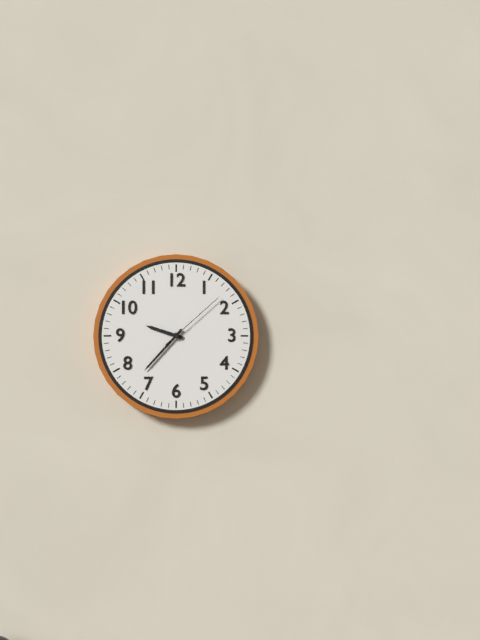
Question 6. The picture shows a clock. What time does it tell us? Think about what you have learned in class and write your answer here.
9:37:08
